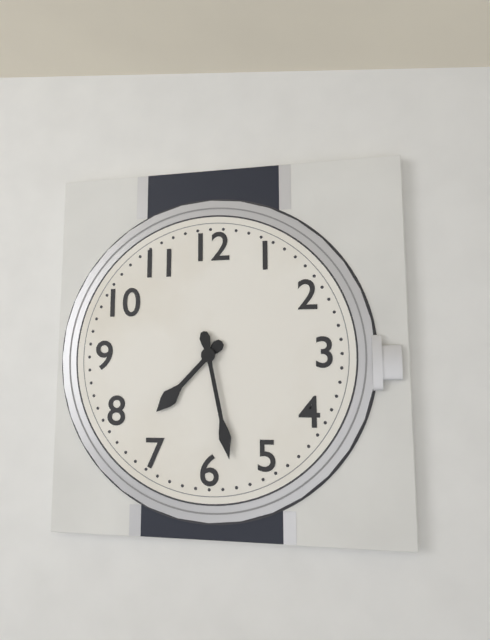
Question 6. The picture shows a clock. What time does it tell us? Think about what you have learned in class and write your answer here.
7:28
